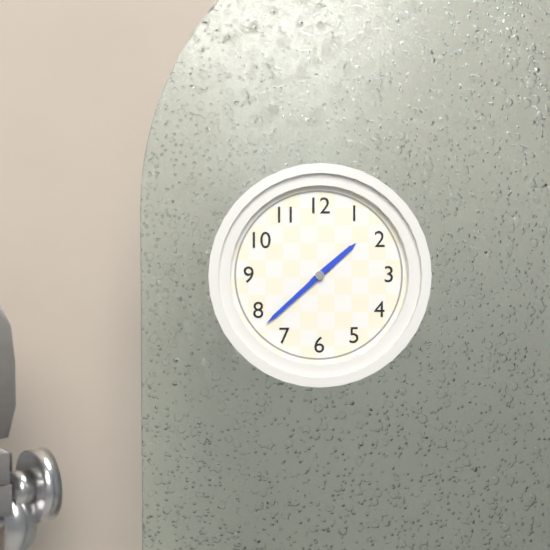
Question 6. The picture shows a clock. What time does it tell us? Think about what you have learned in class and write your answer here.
1:38
